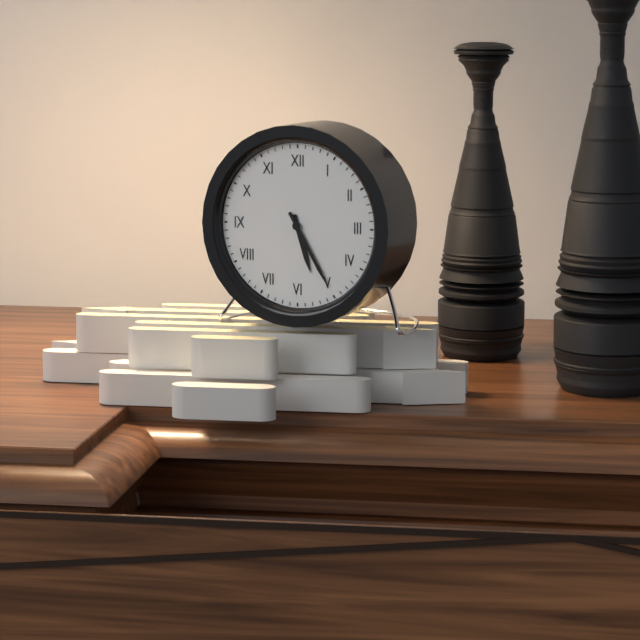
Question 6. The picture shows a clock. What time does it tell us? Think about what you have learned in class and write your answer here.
5:25
